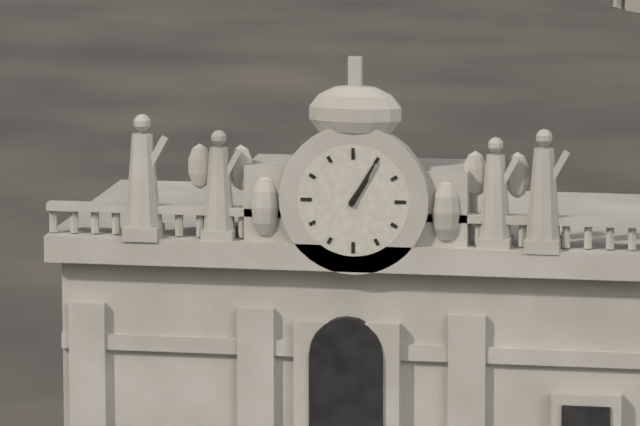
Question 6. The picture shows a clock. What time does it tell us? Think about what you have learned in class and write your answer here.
1:05
